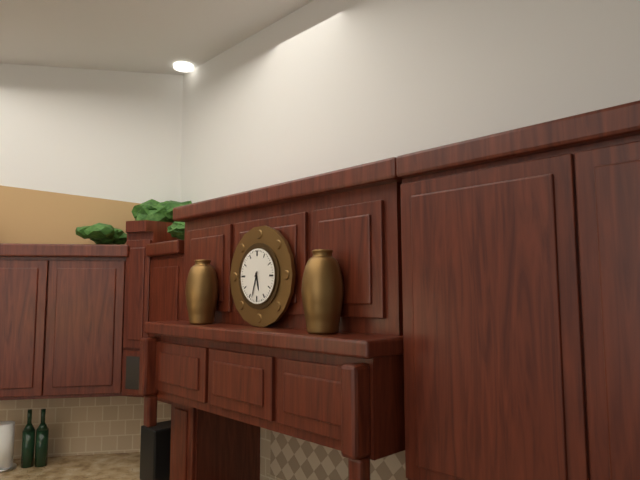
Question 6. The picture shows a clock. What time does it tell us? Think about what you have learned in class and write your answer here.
5:33
